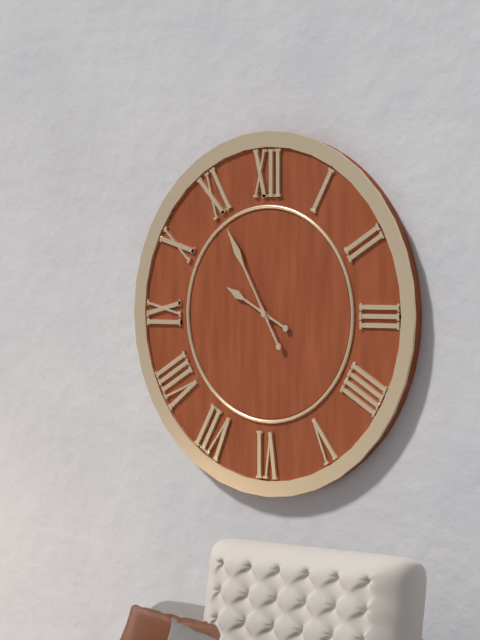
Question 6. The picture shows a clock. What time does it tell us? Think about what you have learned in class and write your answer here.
9:55
